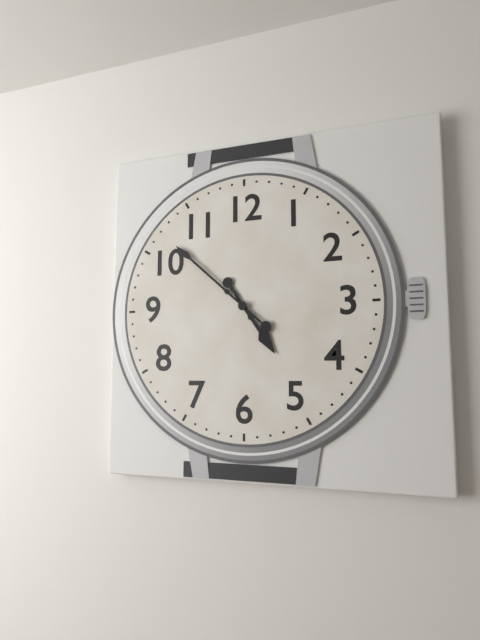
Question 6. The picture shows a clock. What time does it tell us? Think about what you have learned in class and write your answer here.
4:52
